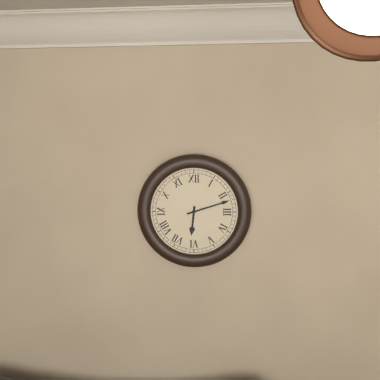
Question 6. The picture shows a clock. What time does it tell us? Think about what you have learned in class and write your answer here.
6:12
